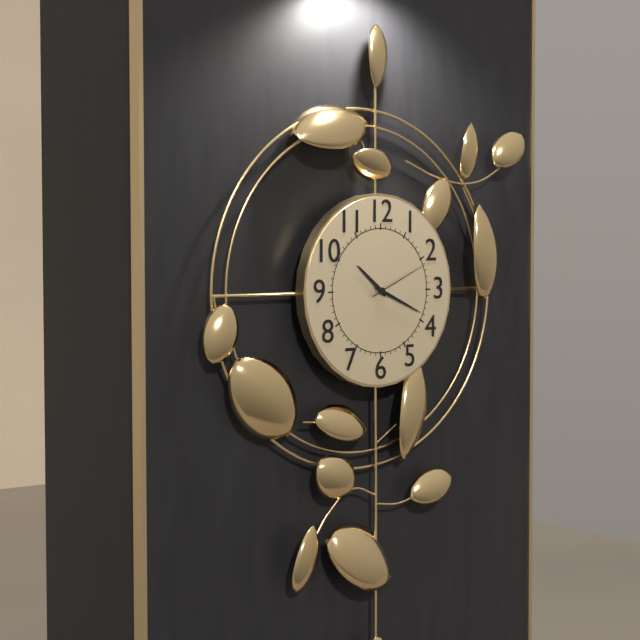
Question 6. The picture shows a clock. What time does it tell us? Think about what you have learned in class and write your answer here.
10:19:11
